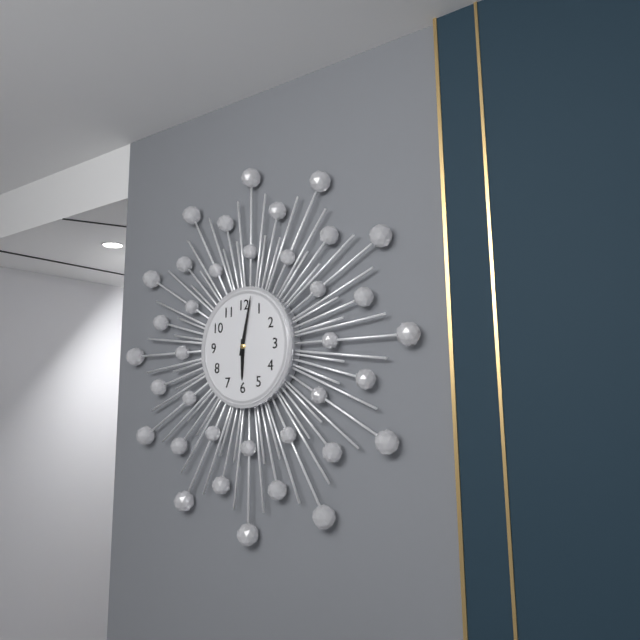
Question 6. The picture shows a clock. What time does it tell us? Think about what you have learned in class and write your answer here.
6:02
